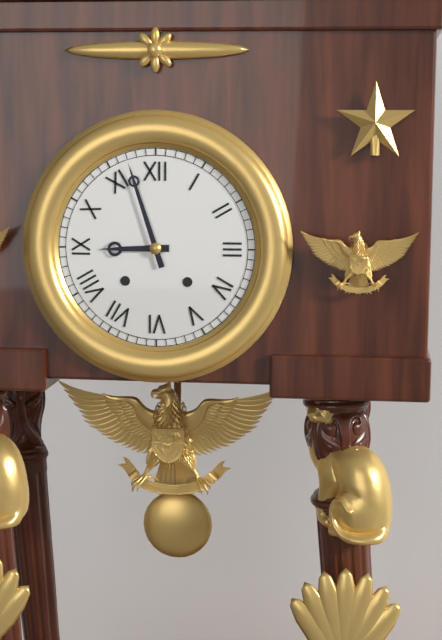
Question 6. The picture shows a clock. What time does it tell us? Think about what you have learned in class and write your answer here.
8:57
